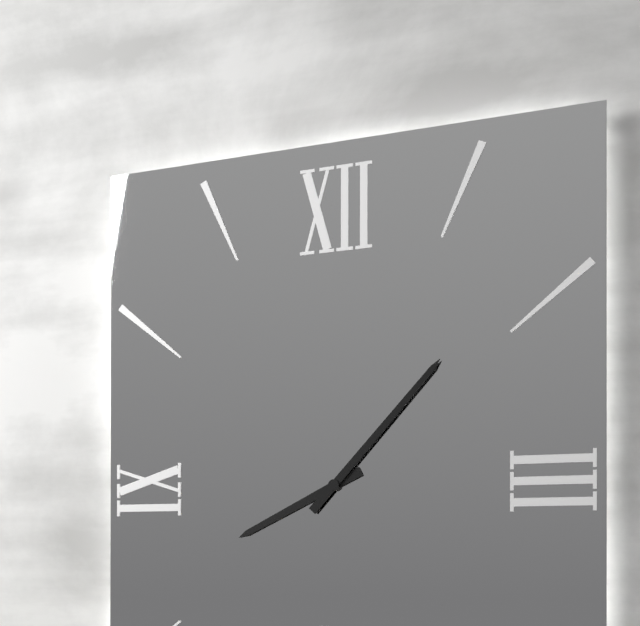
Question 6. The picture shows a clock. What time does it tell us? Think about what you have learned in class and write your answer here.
8:07
